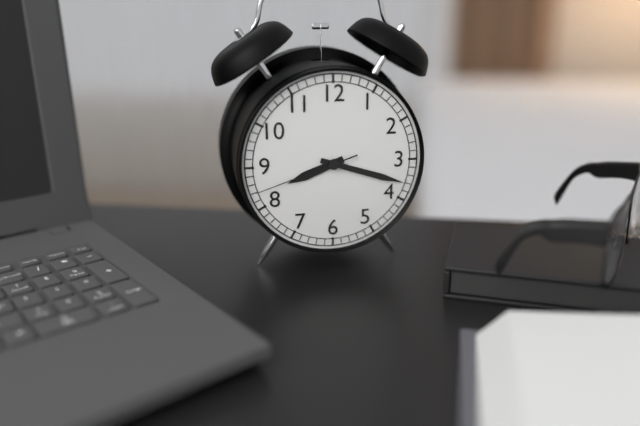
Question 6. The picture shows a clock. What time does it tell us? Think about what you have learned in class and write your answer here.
8:18:42
